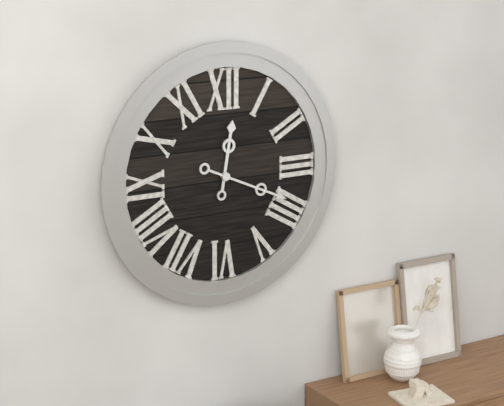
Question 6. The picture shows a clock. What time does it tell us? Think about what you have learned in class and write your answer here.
12:19
